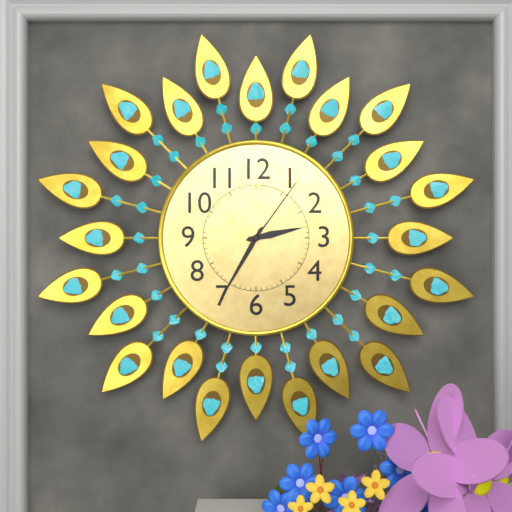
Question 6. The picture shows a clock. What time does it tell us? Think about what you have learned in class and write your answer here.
2:35:06
